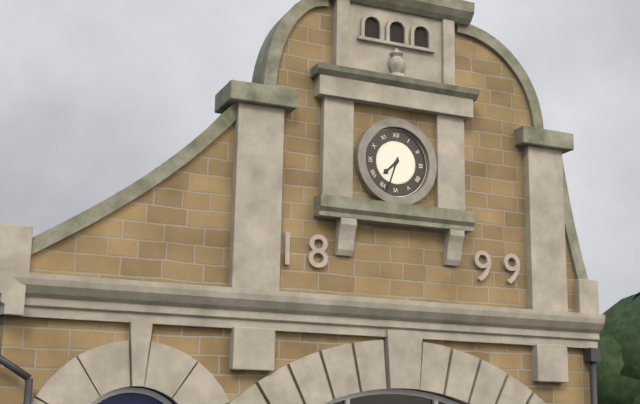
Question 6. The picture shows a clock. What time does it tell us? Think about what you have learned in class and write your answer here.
7:33
